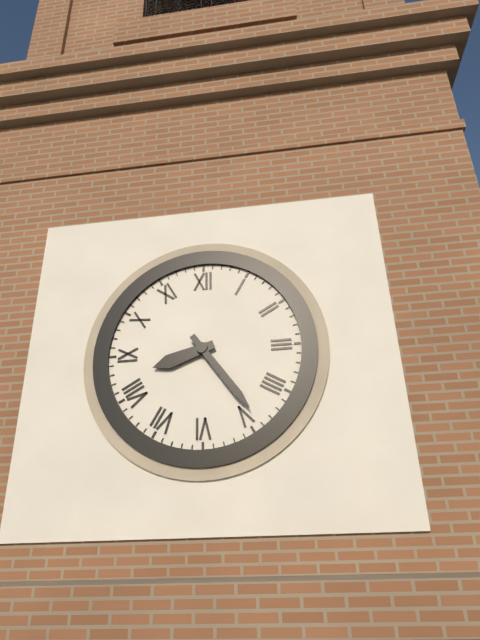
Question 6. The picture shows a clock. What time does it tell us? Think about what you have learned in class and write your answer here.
8:24
